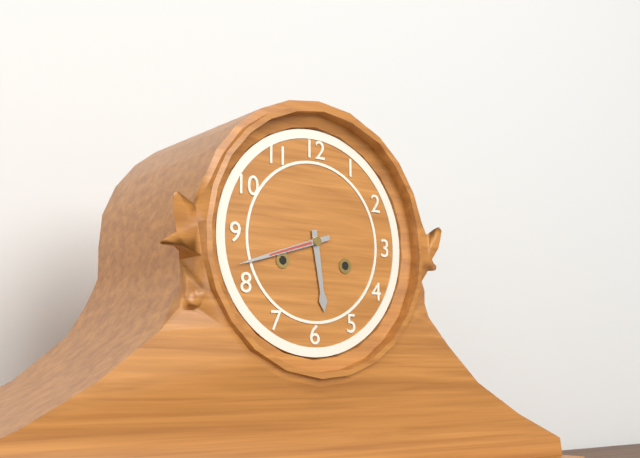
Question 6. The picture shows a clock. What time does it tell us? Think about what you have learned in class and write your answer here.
5:42
